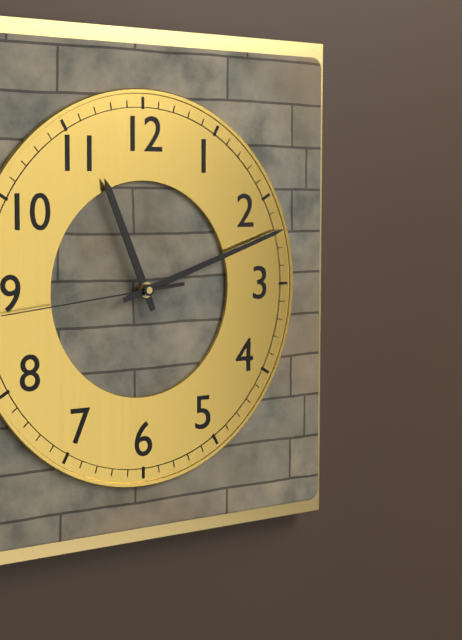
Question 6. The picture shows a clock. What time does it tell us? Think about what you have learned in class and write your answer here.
11:12:44
